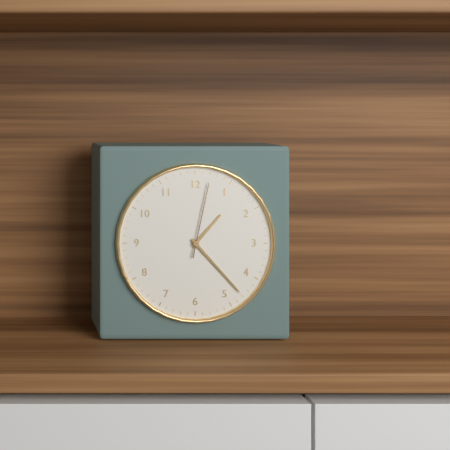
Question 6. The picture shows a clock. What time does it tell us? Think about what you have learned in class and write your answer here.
1:23:02
